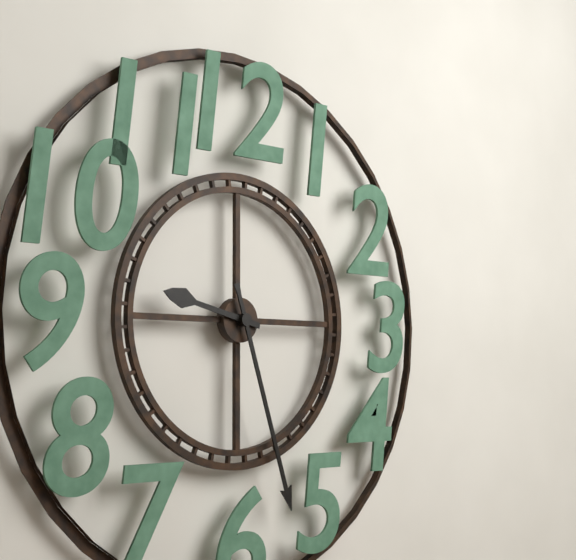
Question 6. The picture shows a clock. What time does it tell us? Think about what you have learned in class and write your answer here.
9:27
